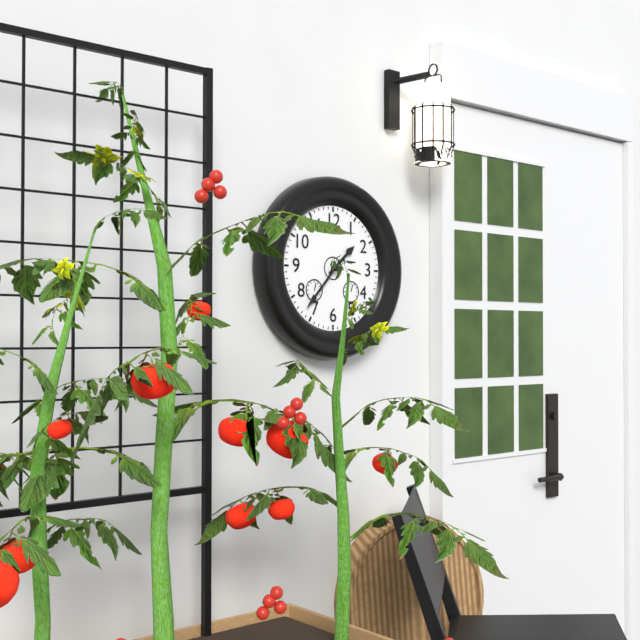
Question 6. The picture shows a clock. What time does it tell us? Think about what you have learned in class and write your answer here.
1:37
